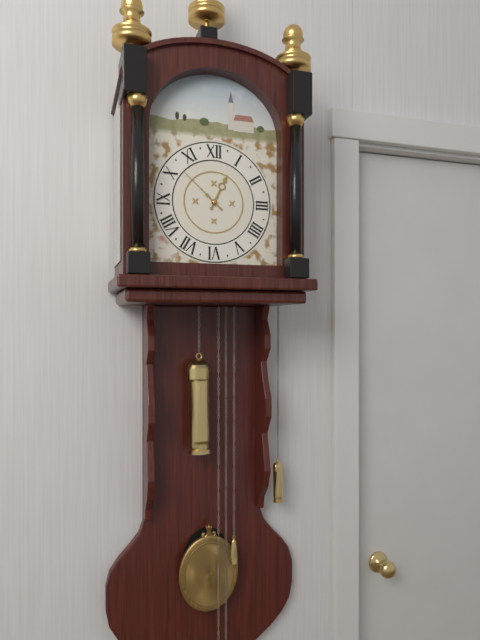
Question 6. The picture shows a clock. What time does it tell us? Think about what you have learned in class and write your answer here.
12:52
